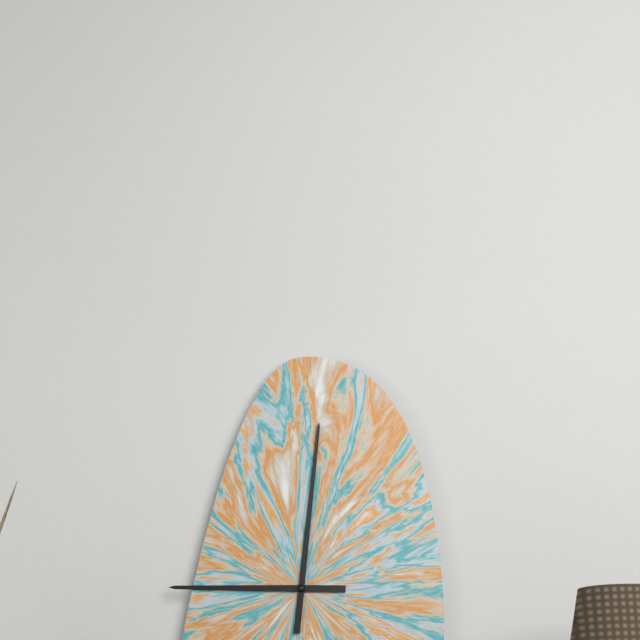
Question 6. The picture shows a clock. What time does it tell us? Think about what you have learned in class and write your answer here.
9:01
